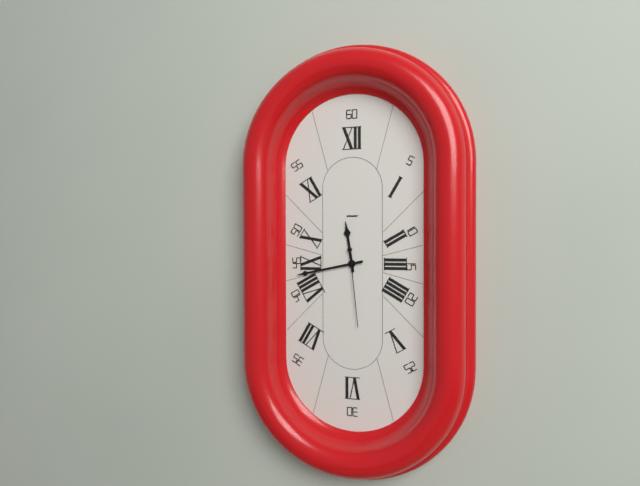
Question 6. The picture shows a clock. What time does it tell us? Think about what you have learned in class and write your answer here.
11:43:29
